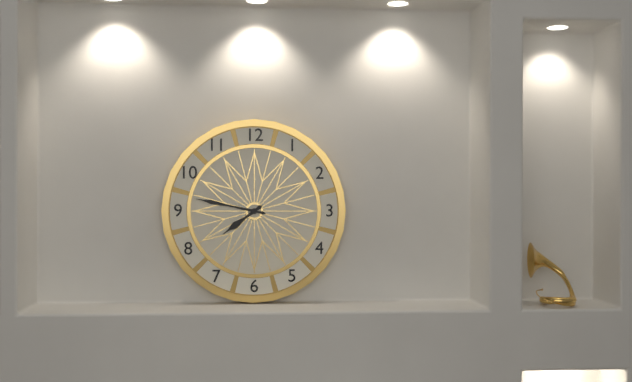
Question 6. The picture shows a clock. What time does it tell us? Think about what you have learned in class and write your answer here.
7:47
